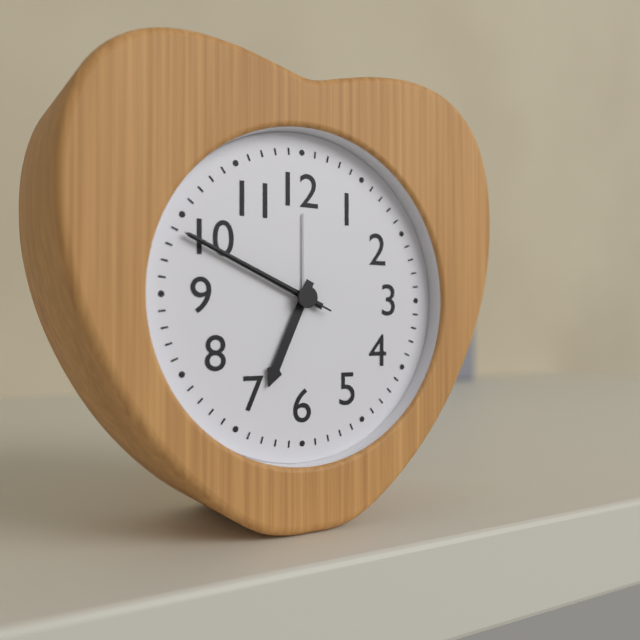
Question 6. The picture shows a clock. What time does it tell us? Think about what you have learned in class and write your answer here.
6:49:49
